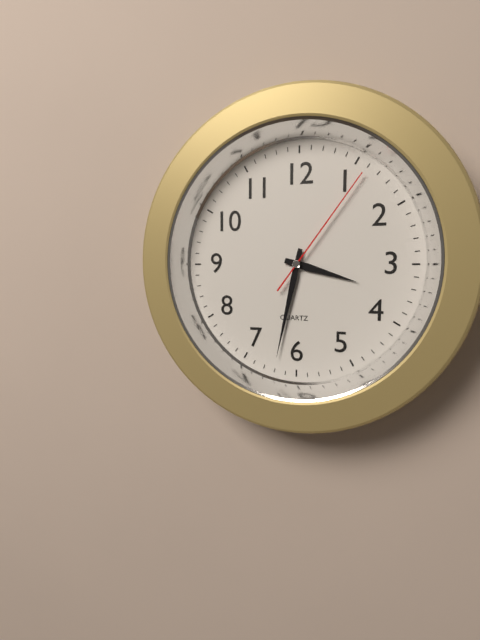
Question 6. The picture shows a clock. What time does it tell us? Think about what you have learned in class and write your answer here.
3:32:06
